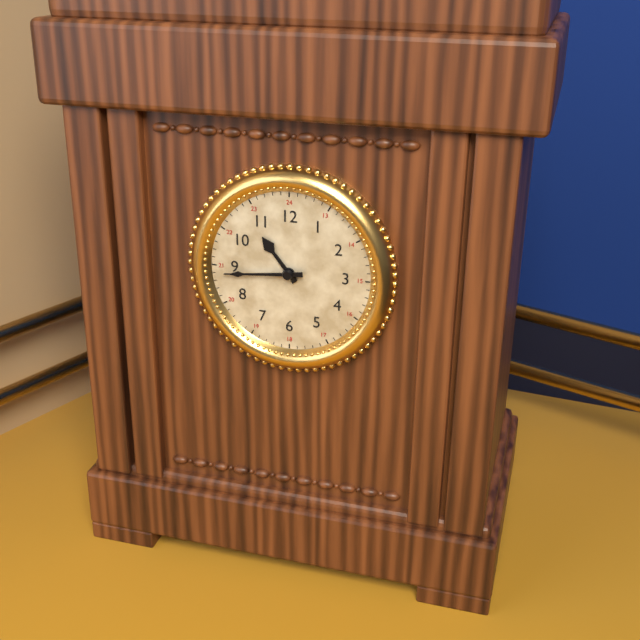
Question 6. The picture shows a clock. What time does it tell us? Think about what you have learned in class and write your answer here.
10:44
